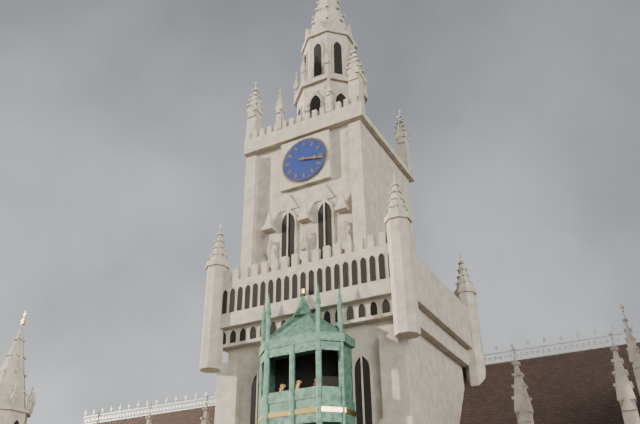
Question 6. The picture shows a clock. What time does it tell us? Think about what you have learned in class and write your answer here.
3:17
